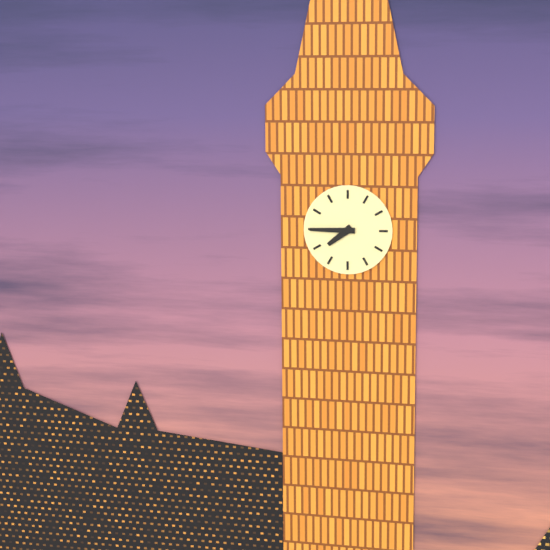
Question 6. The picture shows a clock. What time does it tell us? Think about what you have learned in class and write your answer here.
7:45
